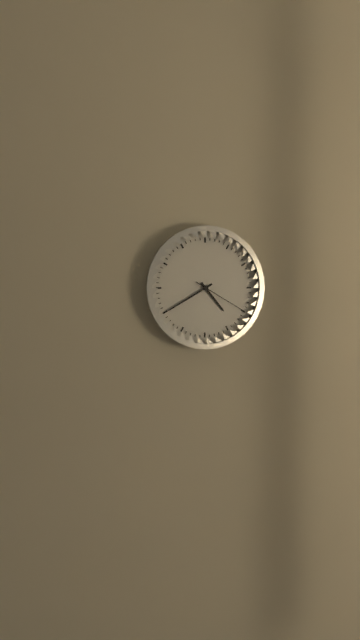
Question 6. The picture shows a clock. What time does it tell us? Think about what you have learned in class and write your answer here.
4:40:20
